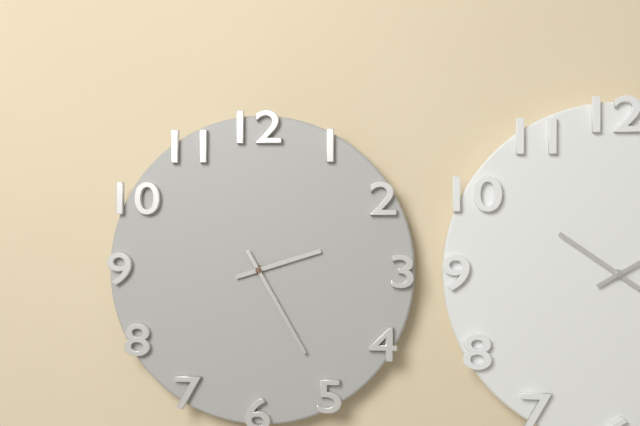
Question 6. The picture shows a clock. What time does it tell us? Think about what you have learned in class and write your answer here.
2:25
